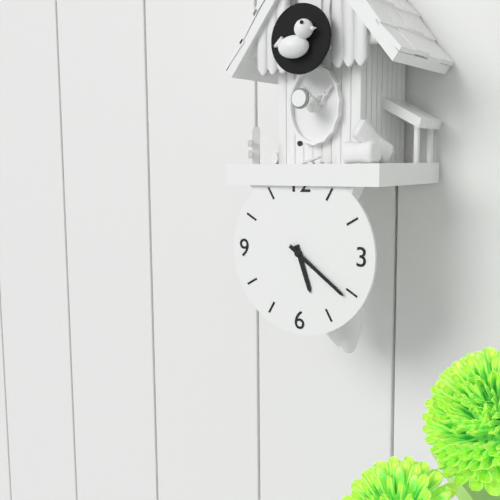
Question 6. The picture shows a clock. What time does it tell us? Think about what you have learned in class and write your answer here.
5:21
